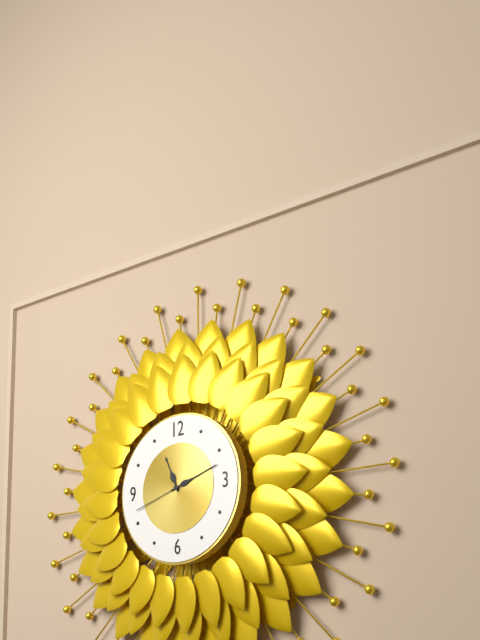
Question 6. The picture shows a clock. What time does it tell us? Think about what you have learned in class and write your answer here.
11:12:42
